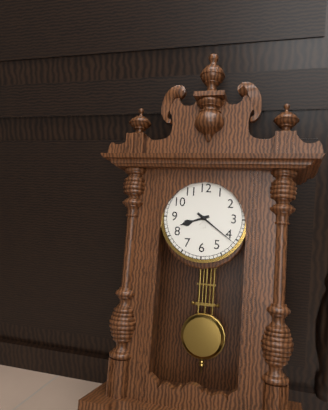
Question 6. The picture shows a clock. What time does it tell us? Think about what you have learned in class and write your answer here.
8:21
